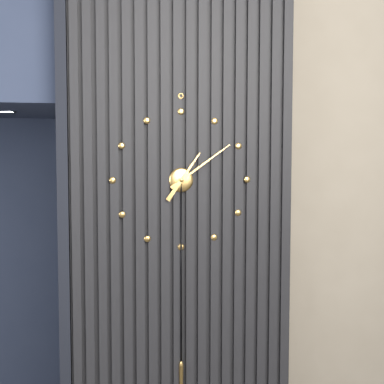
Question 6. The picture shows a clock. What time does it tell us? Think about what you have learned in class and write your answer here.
1:09
